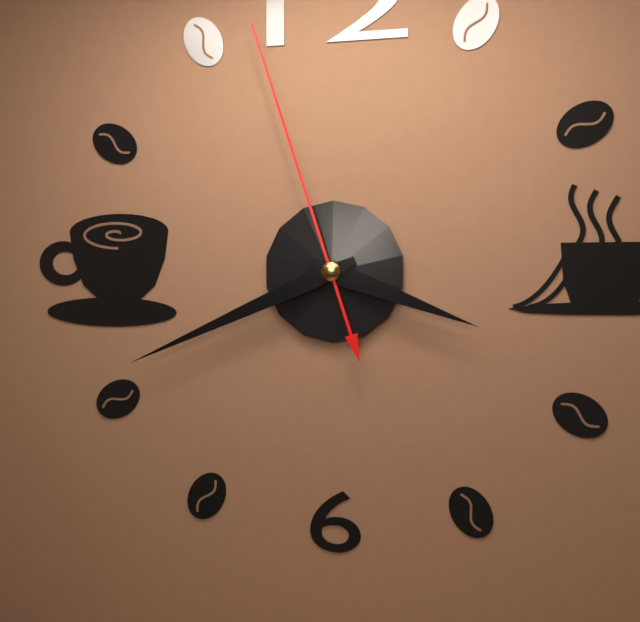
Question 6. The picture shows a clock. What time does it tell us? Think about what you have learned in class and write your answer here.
3:41:57
